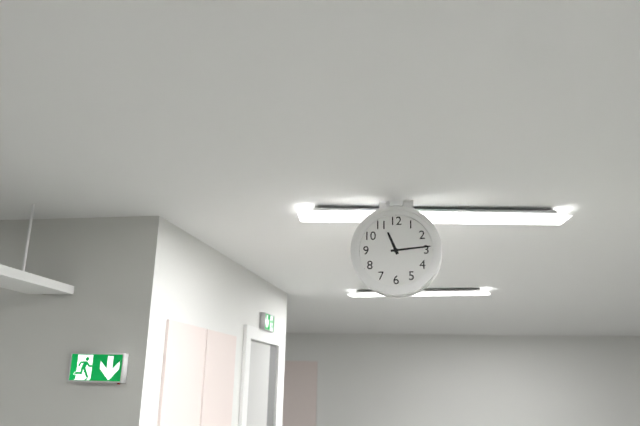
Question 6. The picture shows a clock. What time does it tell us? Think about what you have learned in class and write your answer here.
11:14
